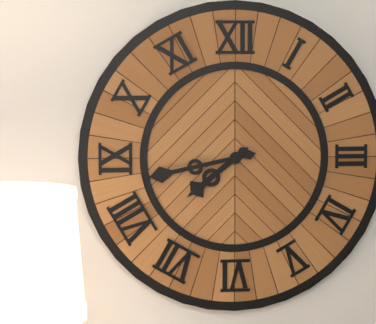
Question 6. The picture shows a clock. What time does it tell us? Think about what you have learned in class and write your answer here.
7:43
